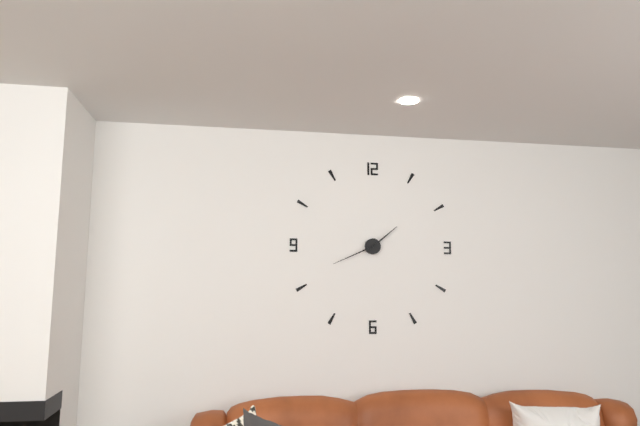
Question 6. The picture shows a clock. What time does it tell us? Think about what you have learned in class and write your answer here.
1:41
